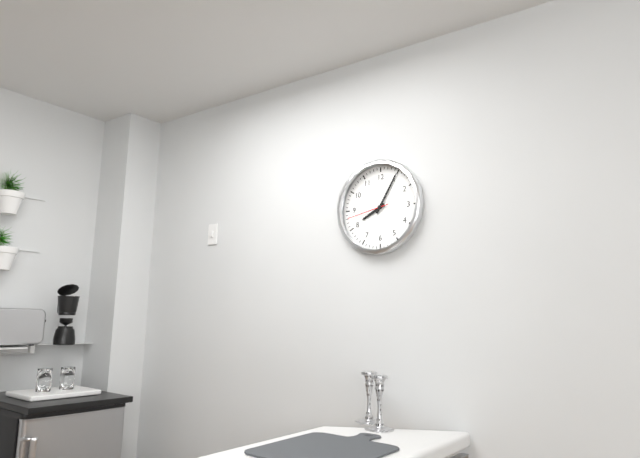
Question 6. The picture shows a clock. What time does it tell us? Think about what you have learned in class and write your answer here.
8:05
